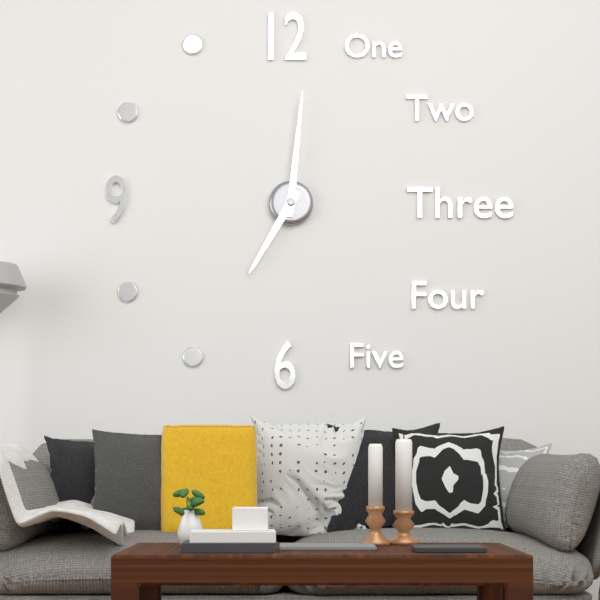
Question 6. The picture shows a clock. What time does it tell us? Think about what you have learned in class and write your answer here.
7:01
